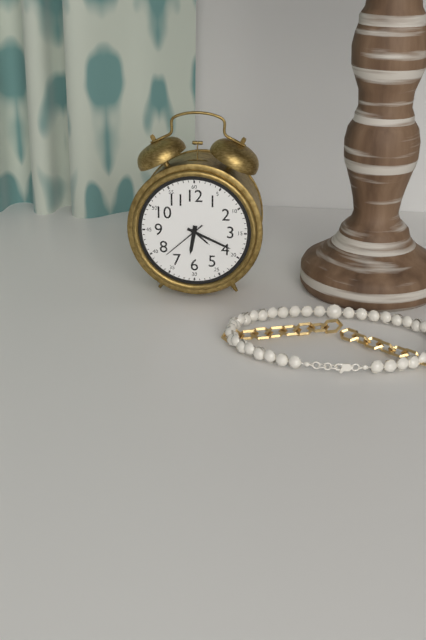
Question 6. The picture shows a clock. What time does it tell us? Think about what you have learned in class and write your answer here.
6:19
